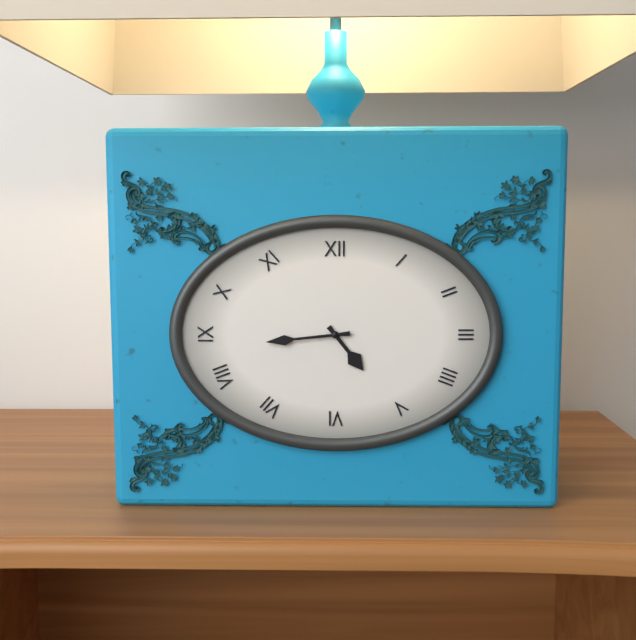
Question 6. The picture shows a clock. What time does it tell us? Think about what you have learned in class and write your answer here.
4:44
